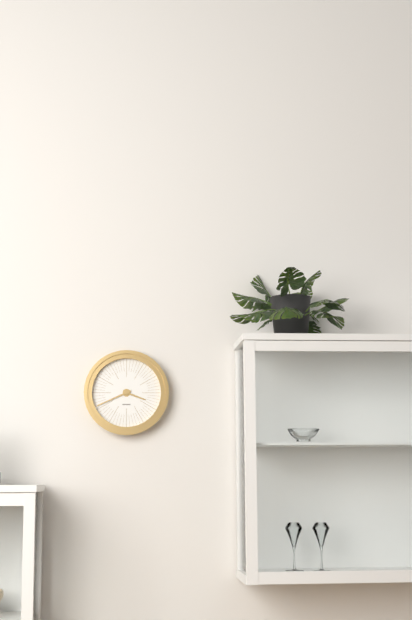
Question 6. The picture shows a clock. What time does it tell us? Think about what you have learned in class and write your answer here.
3:41
